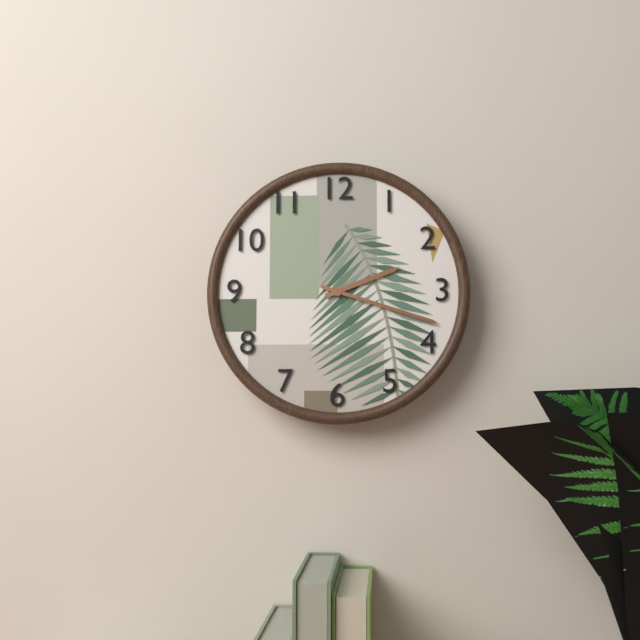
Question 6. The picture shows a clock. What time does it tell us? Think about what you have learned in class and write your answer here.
2:18
